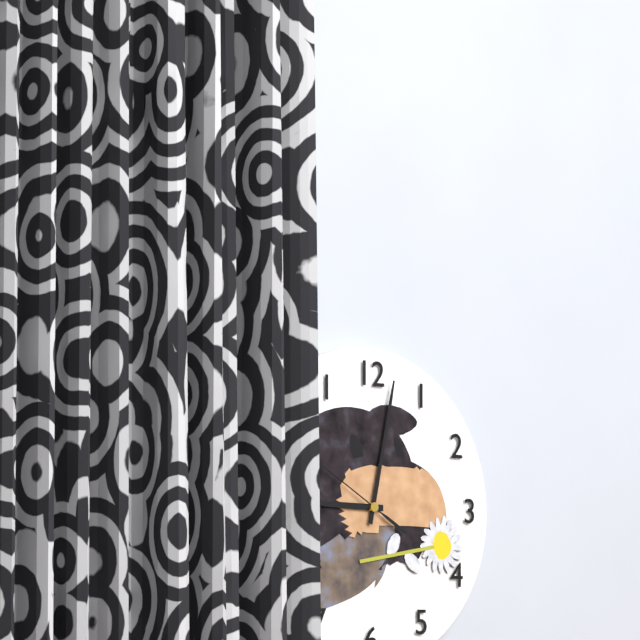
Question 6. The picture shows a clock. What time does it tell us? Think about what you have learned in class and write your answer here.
9:02
